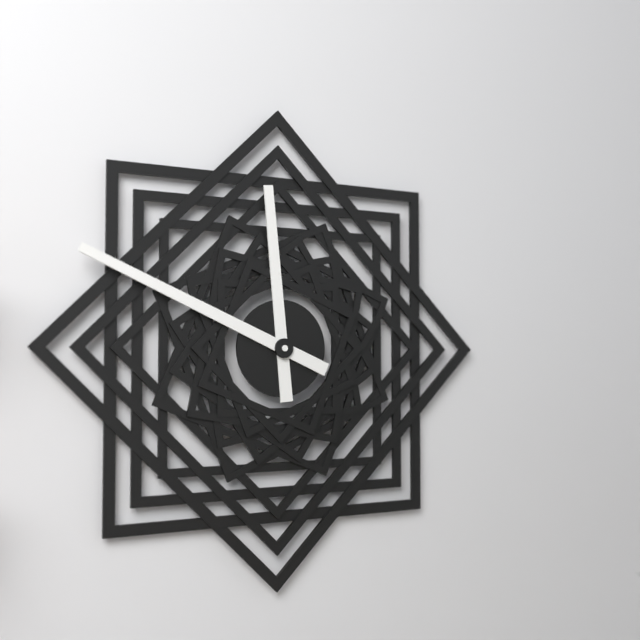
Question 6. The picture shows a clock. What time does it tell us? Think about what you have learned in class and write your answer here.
11:49
